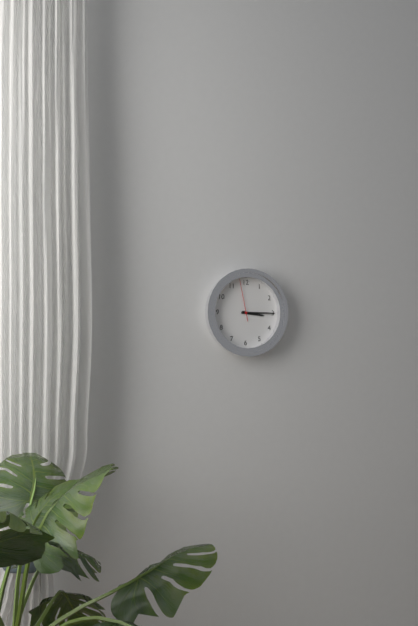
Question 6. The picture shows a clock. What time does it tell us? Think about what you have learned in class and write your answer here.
3:15
